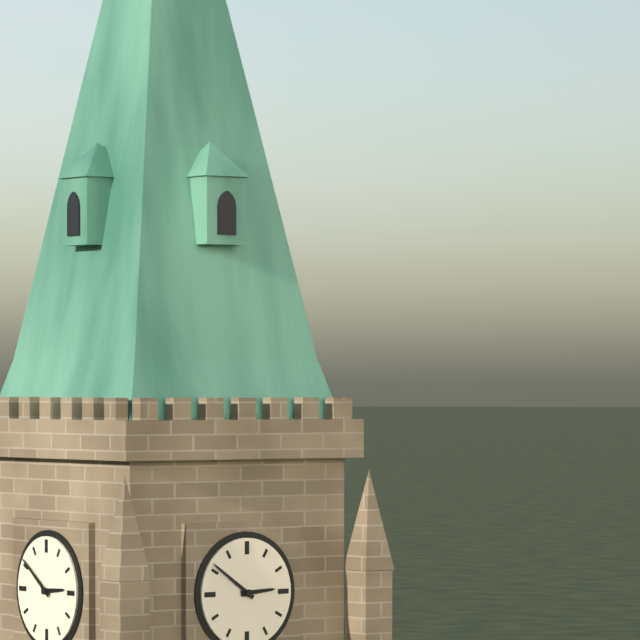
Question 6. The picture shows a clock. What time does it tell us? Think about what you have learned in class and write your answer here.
2:51
